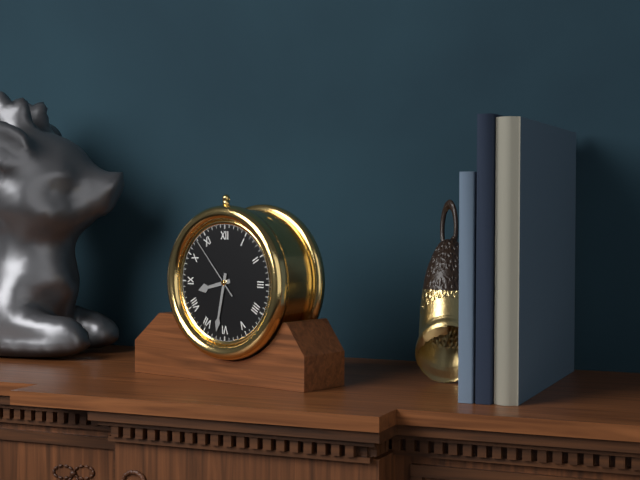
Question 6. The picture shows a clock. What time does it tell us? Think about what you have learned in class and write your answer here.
8:32:53
